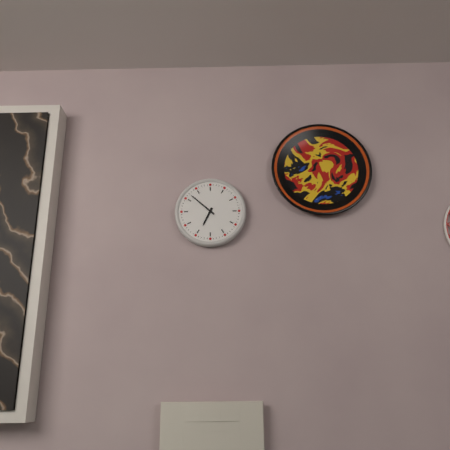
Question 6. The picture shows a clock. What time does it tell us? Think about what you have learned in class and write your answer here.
6:52
